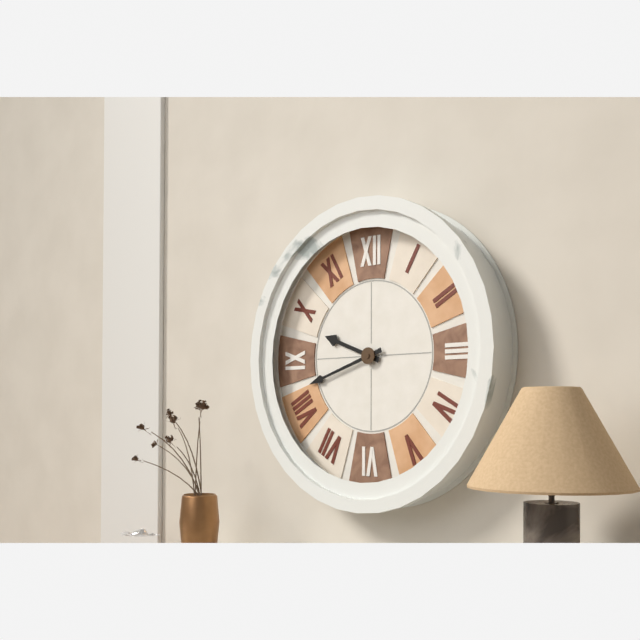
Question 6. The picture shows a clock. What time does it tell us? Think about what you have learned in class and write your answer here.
9:42
